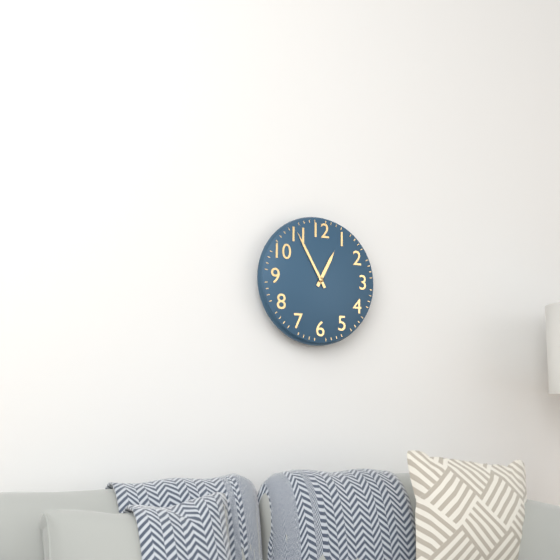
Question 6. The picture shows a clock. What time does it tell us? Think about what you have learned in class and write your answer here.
12:55
